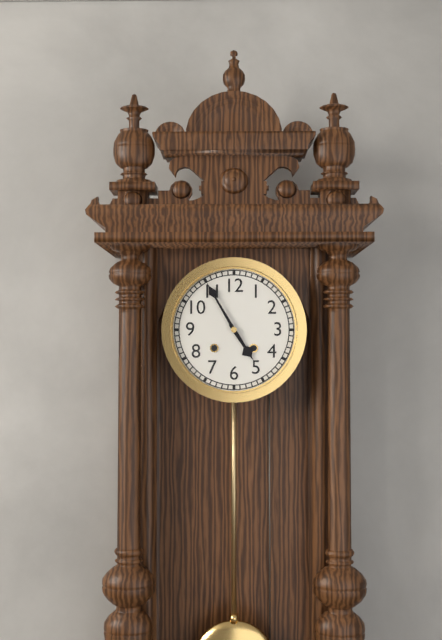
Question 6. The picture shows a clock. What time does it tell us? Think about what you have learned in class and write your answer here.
4:55
